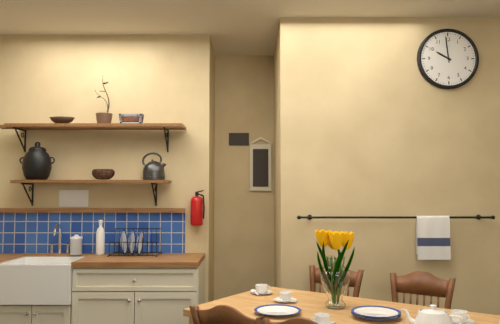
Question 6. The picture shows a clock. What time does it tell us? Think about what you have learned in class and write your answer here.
9:59
